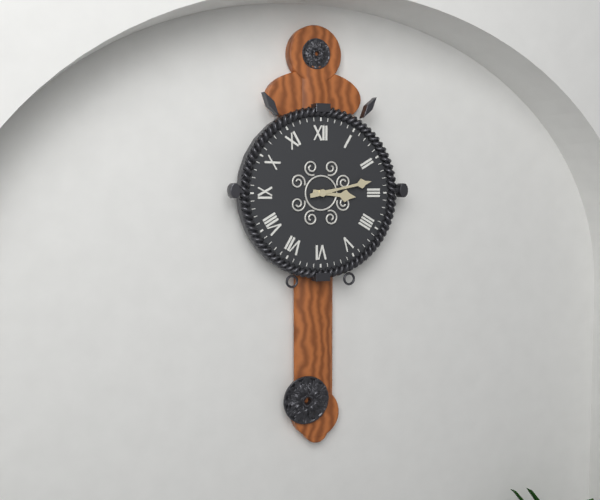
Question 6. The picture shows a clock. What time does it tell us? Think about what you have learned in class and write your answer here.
3:13
